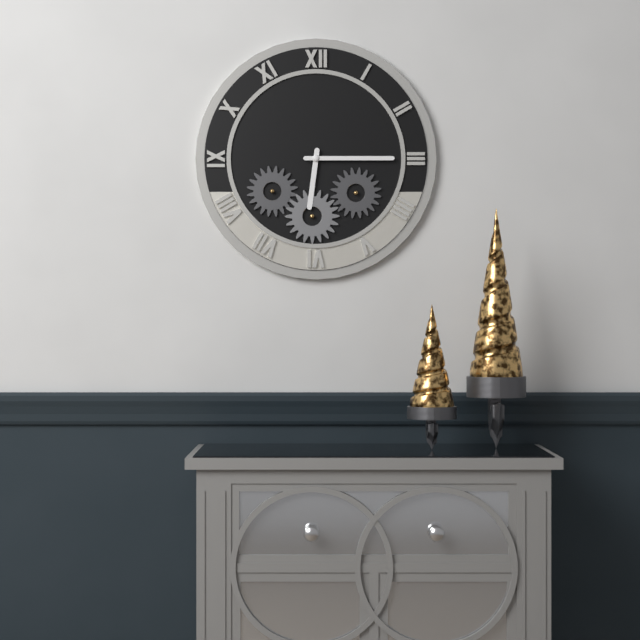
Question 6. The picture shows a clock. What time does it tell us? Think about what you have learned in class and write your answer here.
6:15
